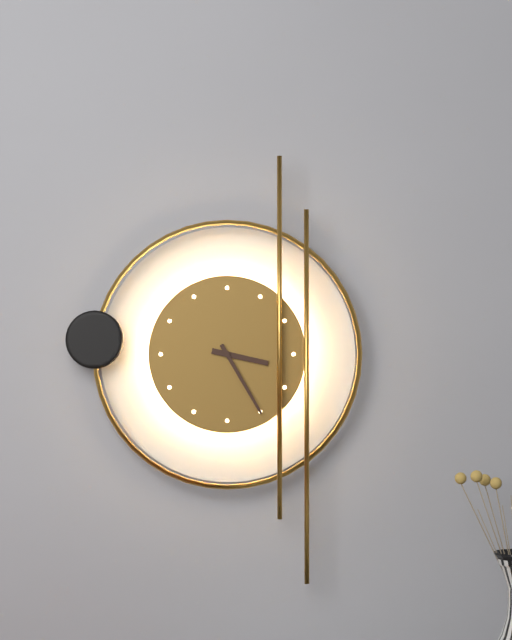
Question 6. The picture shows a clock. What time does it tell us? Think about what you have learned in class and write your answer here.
3:25
